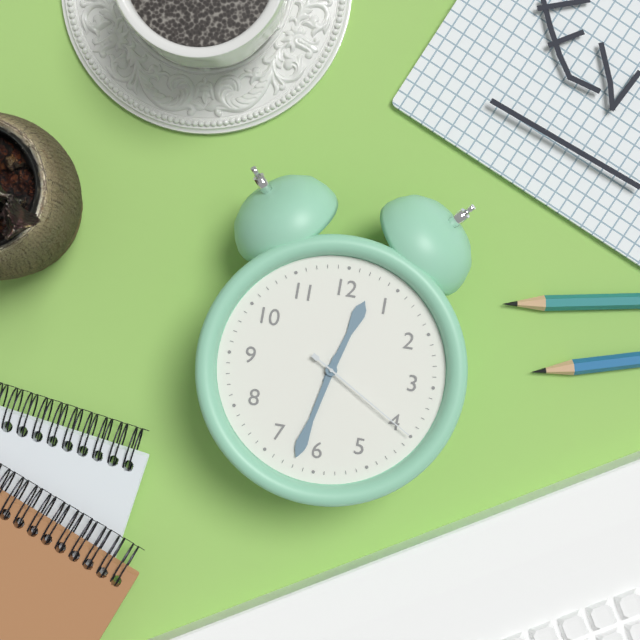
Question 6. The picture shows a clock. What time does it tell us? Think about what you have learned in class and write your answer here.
12:32:20
